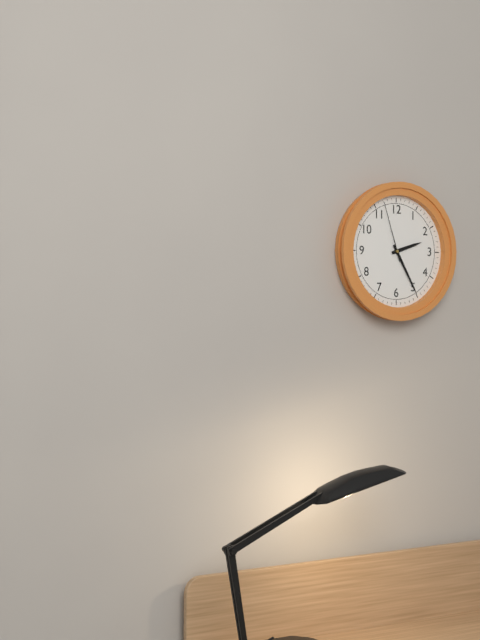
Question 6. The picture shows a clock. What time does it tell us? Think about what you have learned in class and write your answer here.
2:25:57
